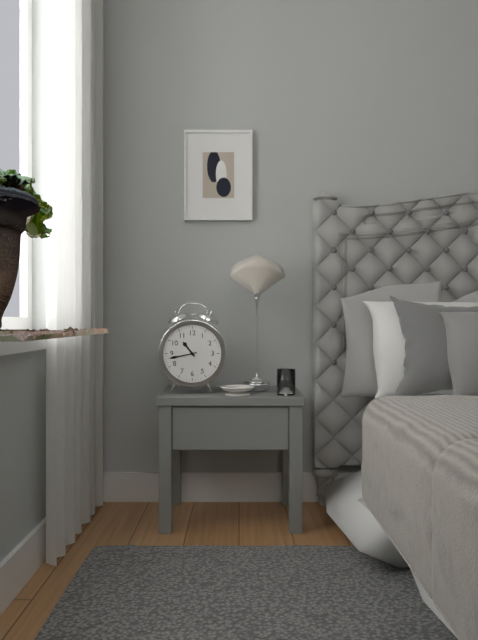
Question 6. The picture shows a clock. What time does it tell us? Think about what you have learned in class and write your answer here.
10:43
